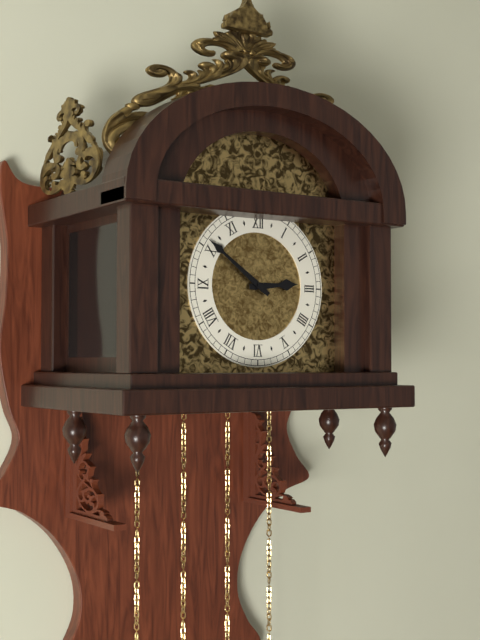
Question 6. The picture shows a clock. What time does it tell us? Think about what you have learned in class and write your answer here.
2:51
